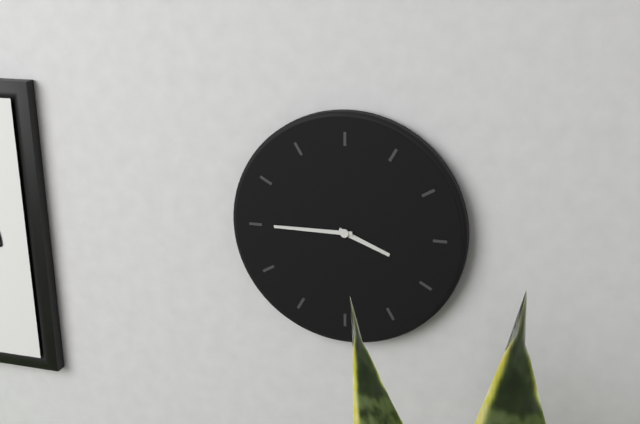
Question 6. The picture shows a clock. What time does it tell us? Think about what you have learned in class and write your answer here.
3:45
